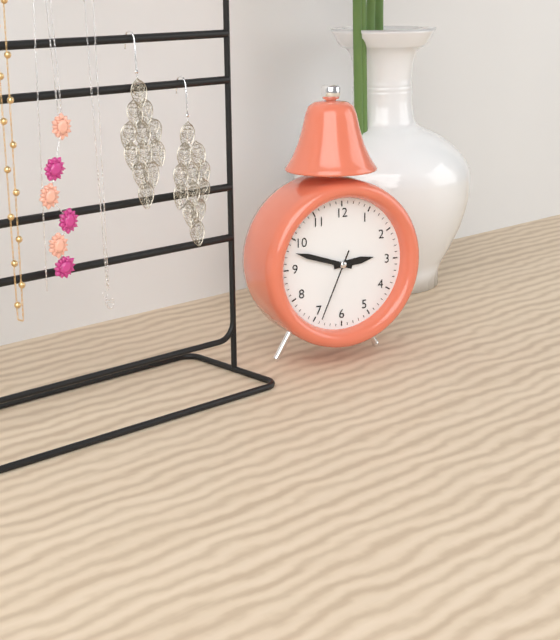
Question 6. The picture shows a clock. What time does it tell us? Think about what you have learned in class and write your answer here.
2:48:34
